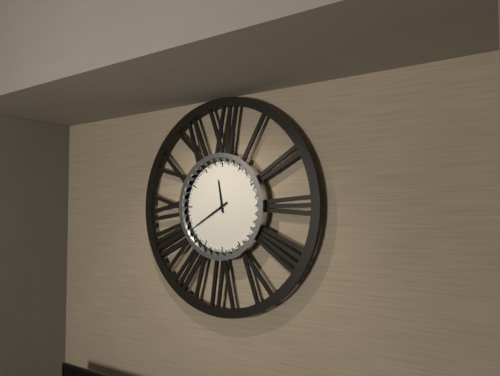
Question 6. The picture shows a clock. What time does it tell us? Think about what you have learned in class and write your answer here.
11:40
